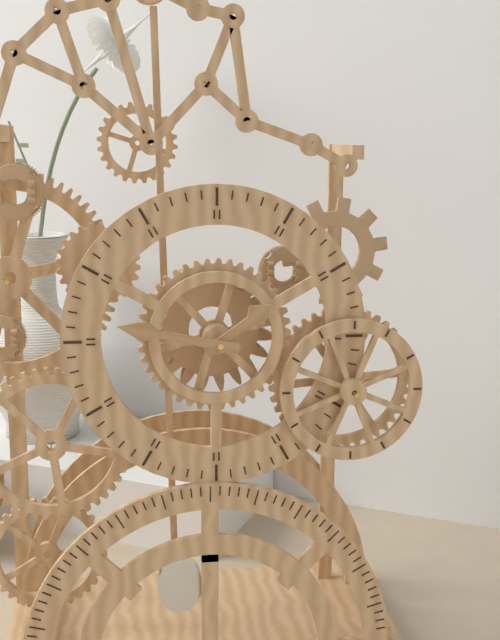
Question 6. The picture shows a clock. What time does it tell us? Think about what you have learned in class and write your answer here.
1:47
